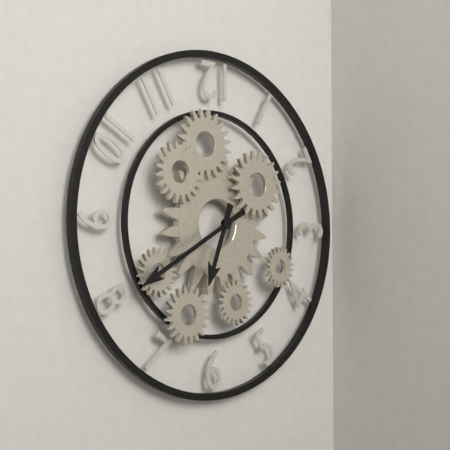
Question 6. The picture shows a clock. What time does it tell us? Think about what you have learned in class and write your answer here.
6:40
